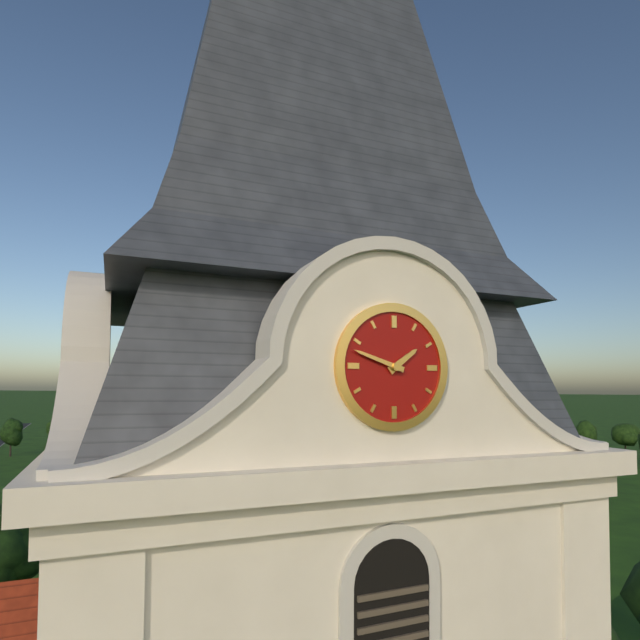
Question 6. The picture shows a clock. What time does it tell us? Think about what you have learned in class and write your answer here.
1:48
